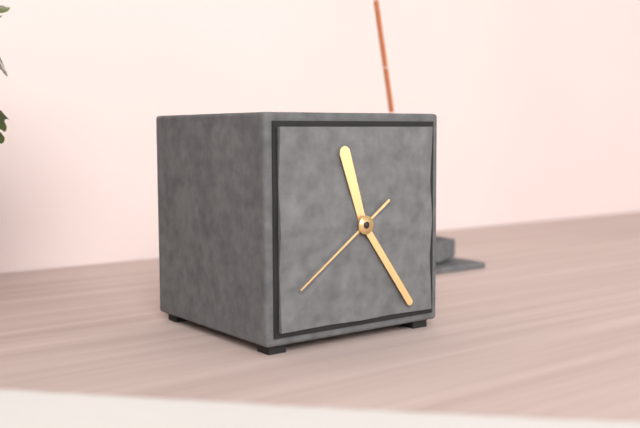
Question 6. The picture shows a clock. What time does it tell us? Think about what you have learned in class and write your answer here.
11:24:39
